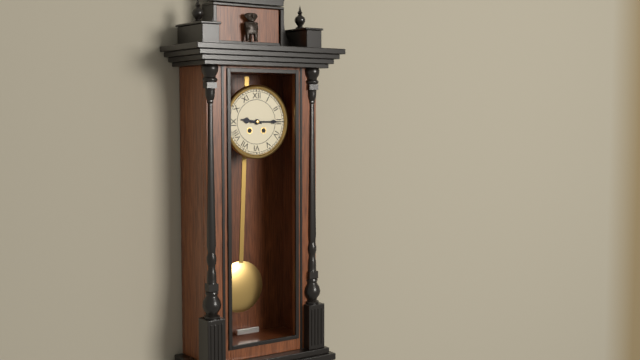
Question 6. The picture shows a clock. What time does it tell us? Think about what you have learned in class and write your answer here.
9:15
